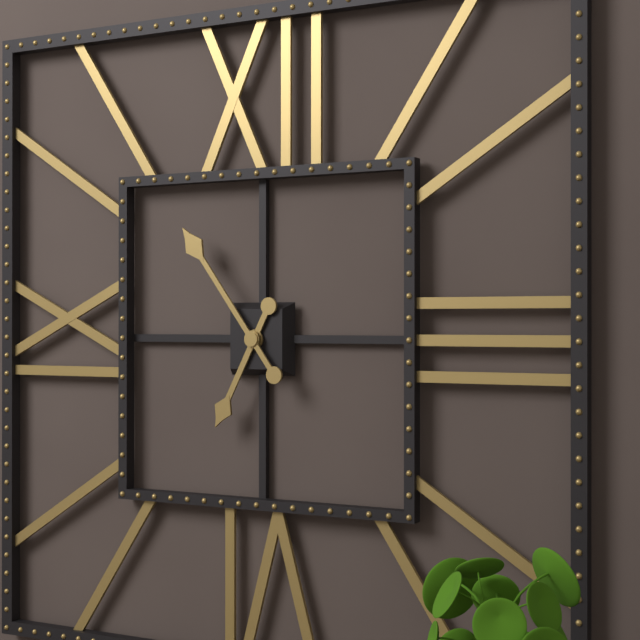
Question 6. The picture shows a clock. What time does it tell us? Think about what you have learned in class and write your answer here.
6:54
